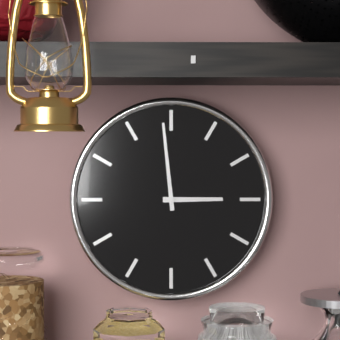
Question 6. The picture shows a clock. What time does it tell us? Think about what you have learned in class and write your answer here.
2:59
